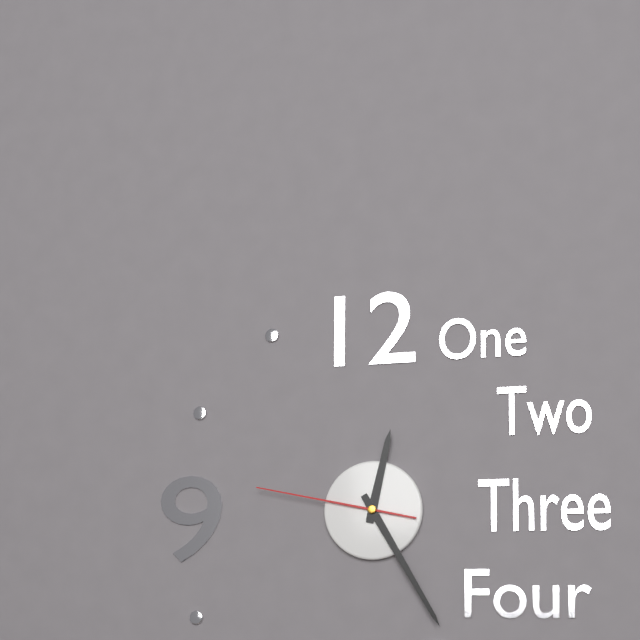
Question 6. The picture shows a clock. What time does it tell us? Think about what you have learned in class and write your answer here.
12:25:47
